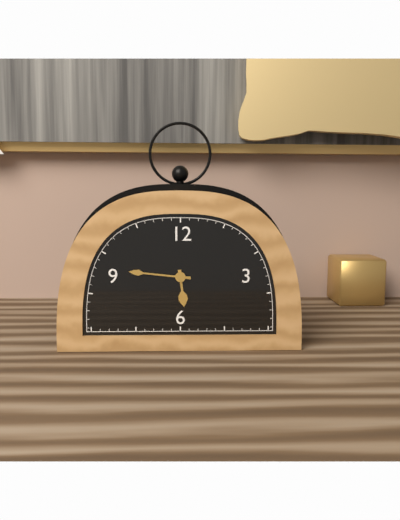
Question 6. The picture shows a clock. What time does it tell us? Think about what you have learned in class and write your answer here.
5:46
